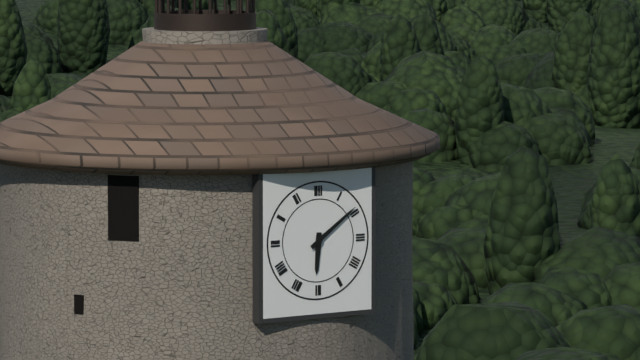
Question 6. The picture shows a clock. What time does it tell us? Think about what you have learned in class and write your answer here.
6:09
